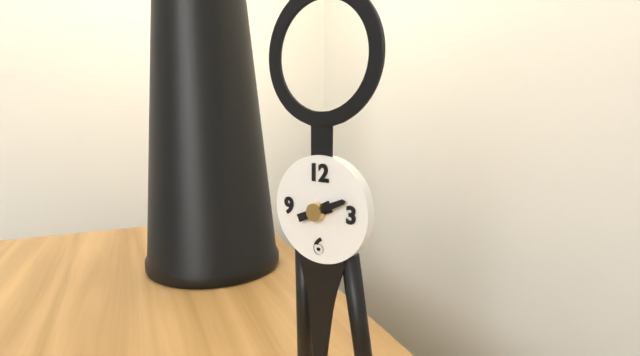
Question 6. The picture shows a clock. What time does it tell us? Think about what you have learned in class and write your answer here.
8:11
